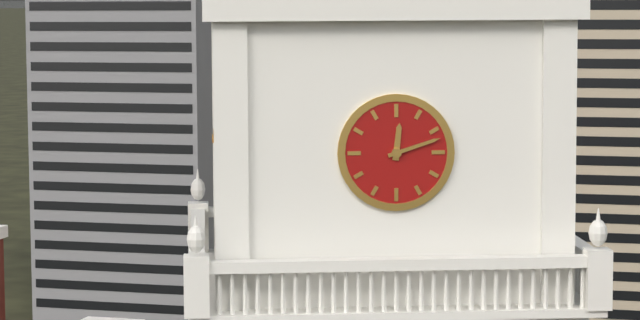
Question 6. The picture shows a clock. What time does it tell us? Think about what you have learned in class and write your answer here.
12:12
